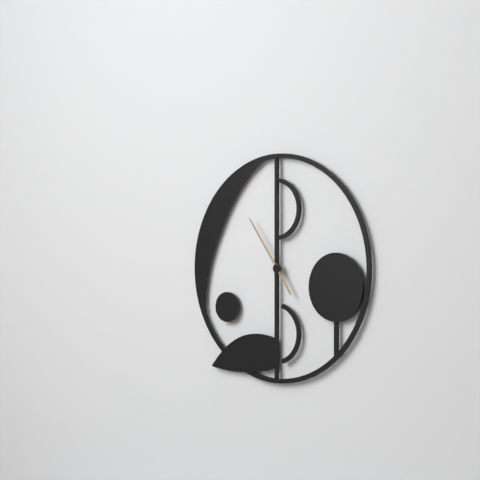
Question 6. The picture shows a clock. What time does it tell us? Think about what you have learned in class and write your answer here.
4:54
